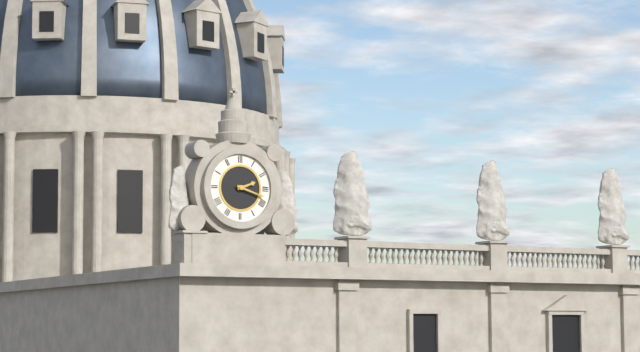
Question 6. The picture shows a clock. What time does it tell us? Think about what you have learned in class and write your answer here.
2:18
